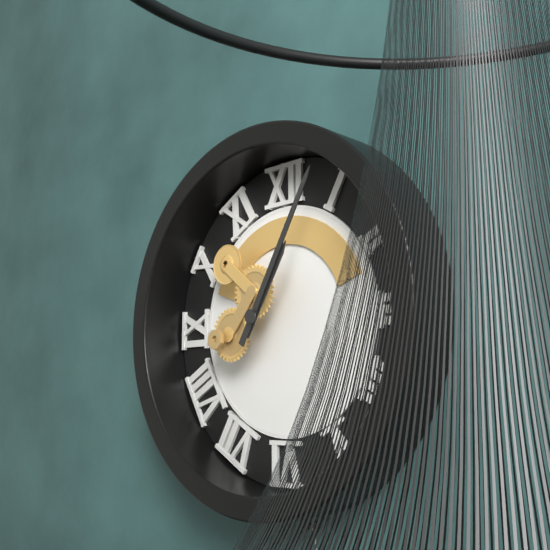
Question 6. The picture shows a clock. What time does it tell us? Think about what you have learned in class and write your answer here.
1:05
